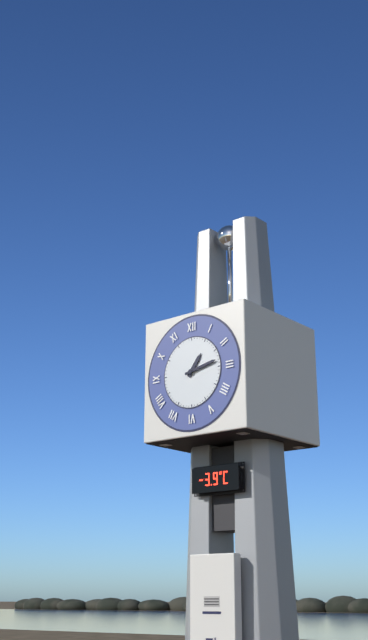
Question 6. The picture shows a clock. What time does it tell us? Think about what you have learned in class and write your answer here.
1:13
